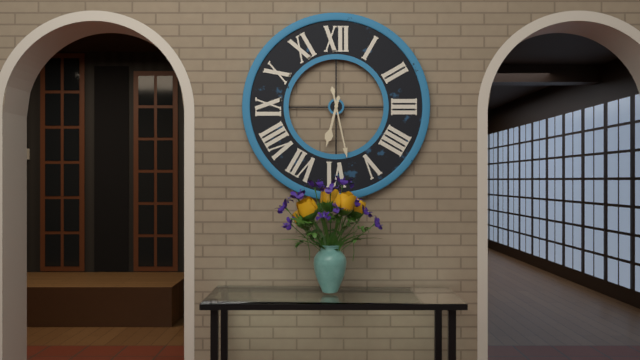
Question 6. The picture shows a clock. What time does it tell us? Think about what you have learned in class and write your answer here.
6:28
